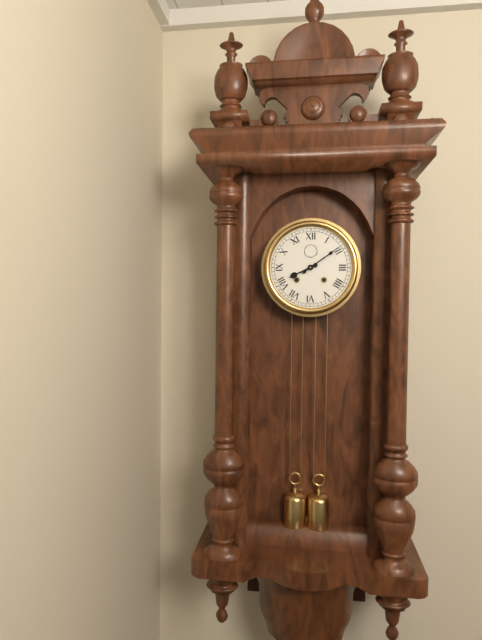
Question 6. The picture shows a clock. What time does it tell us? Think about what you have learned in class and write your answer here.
8:09
